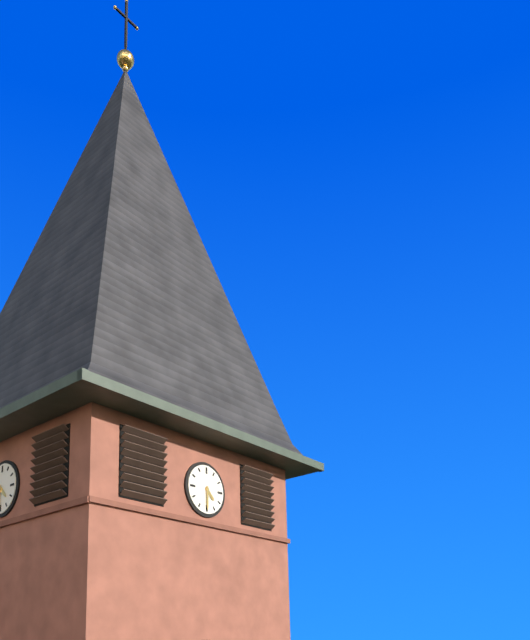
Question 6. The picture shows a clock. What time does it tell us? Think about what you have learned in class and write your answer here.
4:30
